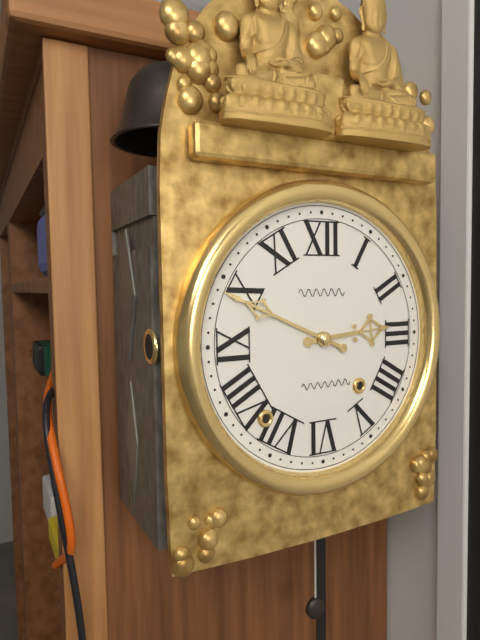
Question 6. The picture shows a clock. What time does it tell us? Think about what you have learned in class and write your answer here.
2:49
